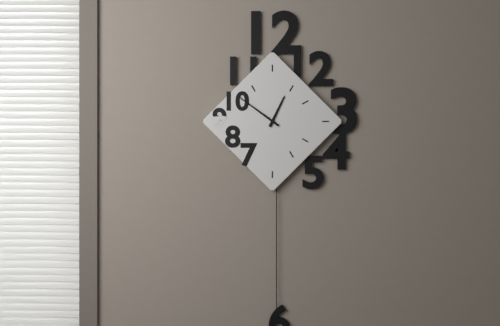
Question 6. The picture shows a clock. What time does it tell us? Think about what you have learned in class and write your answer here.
12:51
